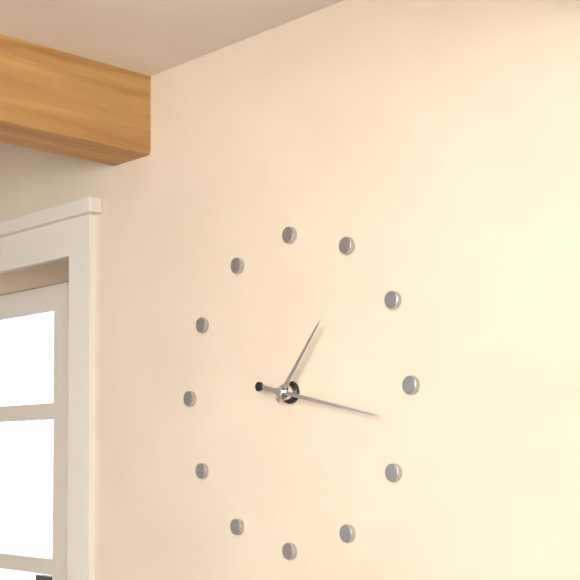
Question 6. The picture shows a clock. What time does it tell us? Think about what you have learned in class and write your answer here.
1:17
